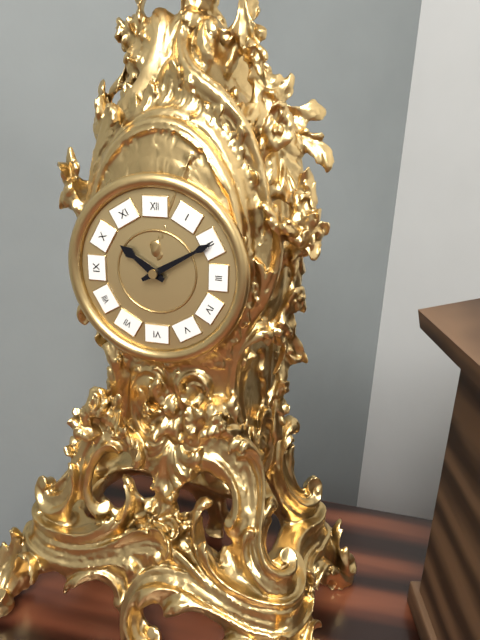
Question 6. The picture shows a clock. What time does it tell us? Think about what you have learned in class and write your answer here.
10:10
